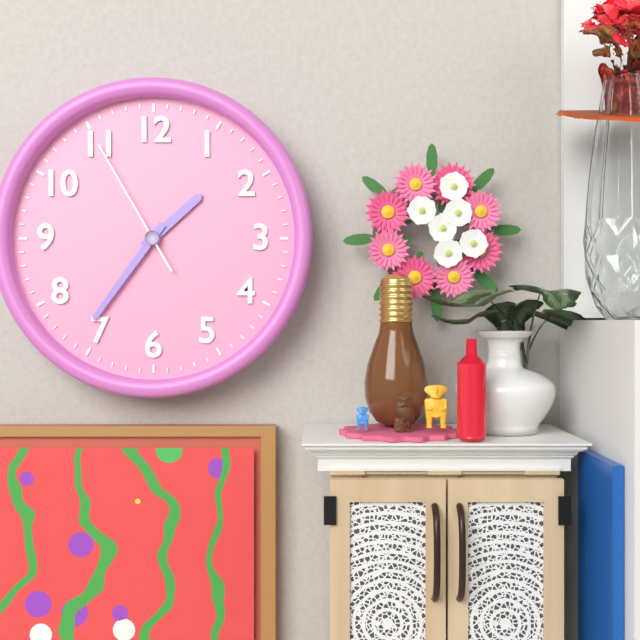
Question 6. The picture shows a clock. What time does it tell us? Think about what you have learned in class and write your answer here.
1:36:55
